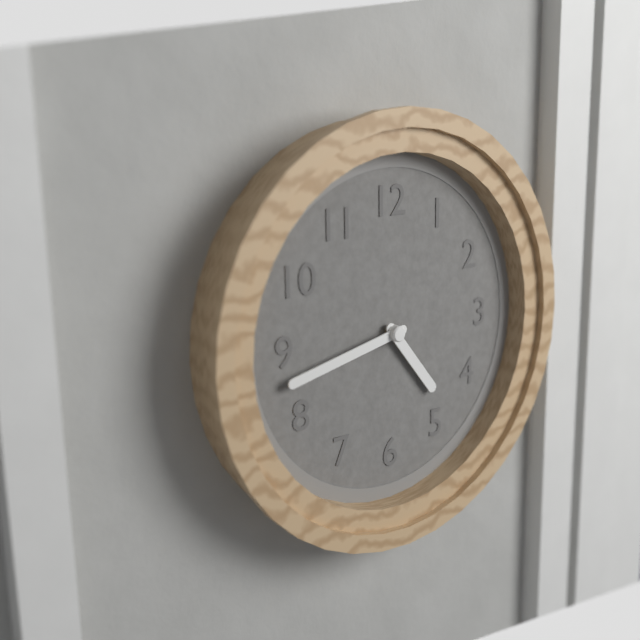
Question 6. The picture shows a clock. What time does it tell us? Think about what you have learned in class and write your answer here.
4:43
